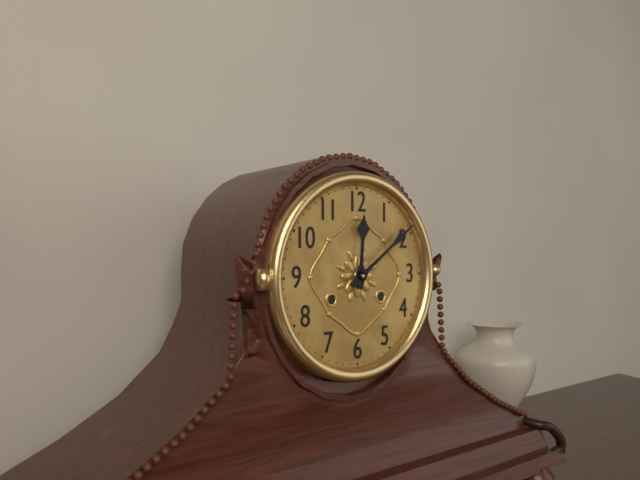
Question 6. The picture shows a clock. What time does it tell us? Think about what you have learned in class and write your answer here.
12:09
